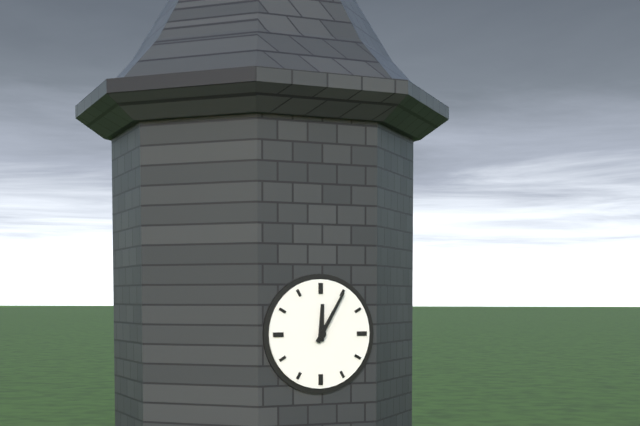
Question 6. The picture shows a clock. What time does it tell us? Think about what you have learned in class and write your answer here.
12:05
